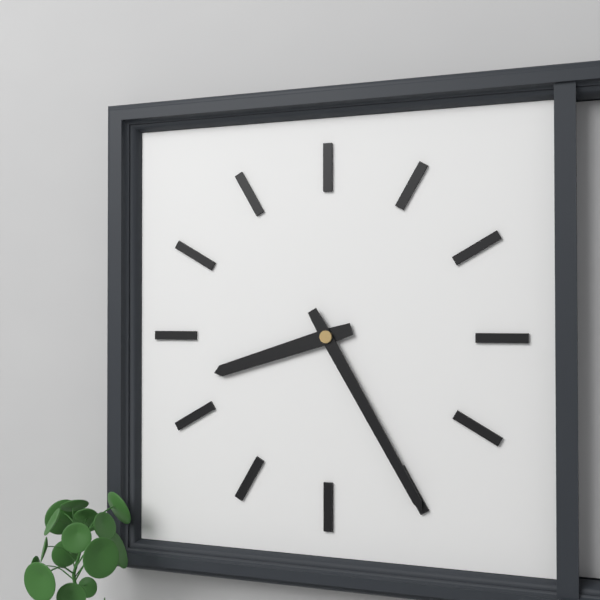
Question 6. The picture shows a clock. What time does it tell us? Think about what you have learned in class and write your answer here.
8:25
